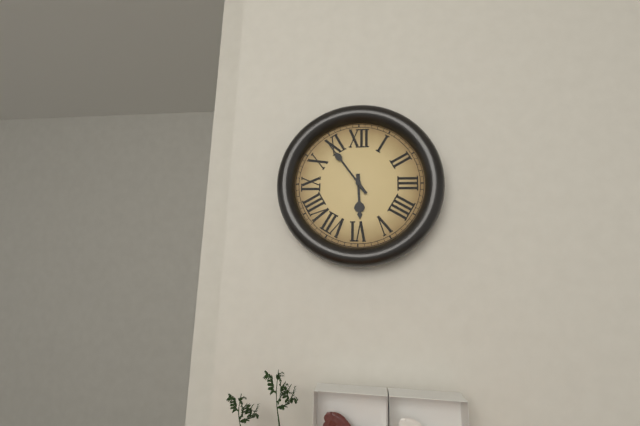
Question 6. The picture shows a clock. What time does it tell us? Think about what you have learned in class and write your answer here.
5:54
